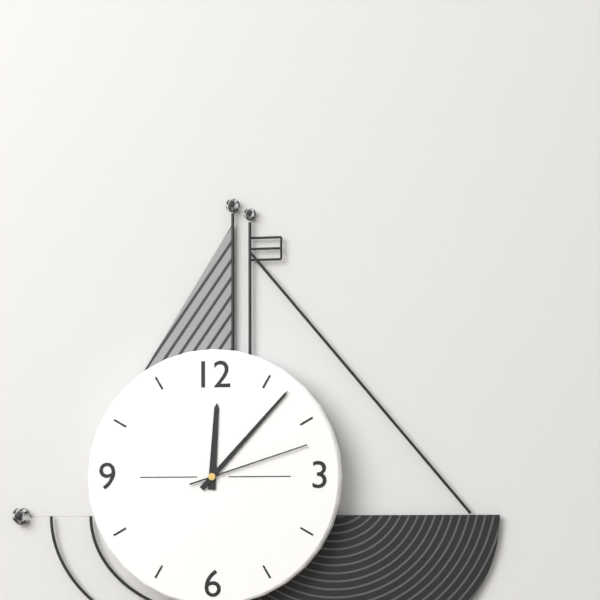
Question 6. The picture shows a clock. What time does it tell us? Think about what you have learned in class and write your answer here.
12:07:12
